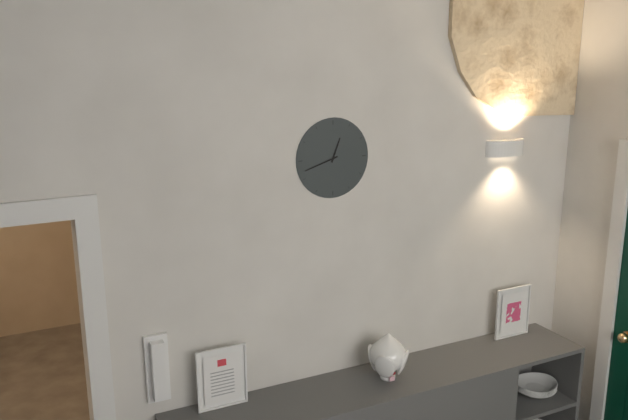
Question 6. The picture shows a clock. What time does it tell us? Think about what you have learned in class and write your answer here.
12:42
